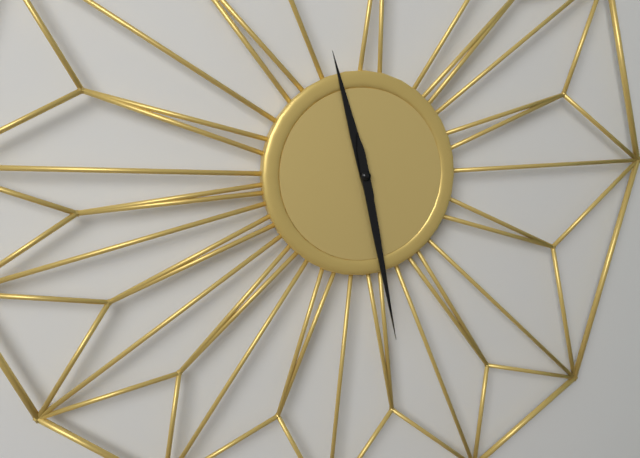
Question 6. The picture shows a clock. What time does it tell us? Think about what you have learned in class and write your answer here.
11:28
